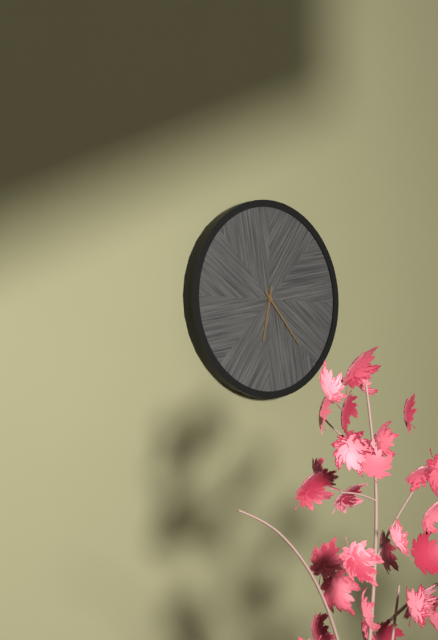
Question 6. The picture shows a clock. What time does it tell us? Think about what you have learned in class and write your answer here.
6:23
